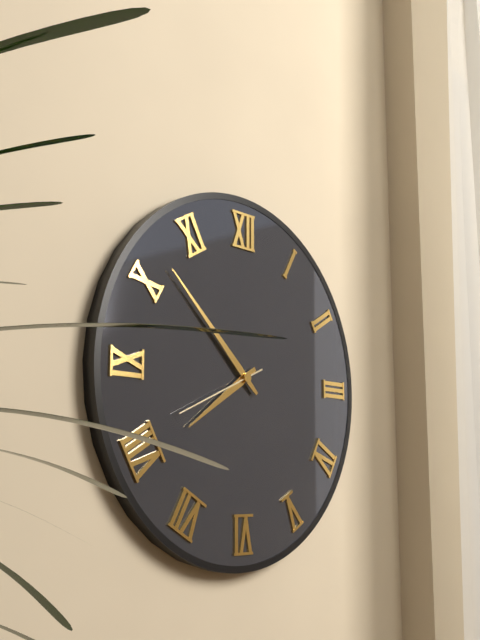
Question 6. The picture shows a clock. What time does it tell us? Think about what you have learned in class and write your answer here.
7:52:41
